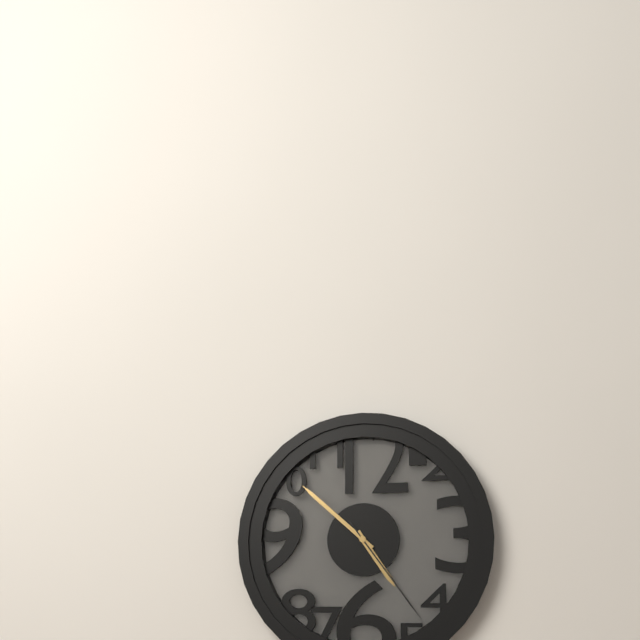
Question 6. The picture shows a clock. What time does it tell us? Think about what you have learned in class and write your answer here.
4:52:24
